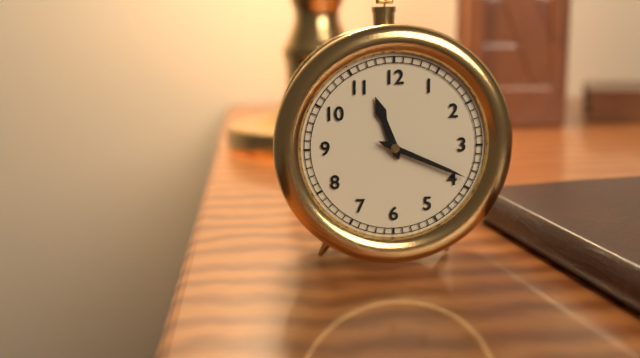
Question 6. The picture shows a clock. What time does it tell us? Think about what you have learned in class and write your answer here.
11:19
